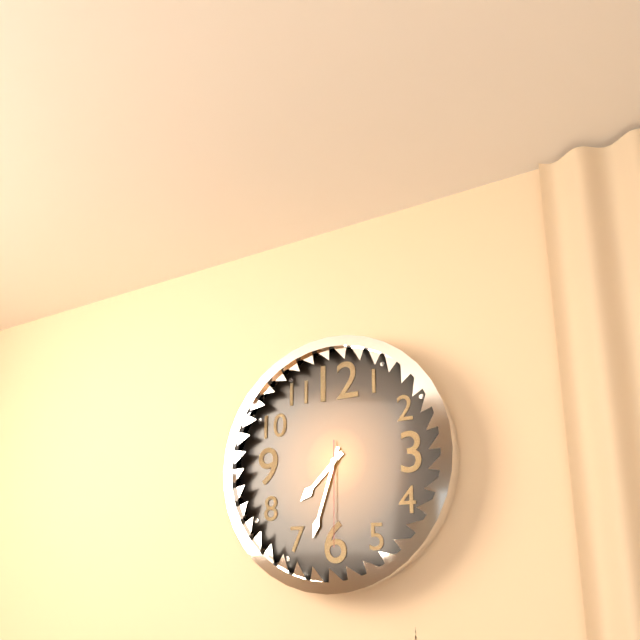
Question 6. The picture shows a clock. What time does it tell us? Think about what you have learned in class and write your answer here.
7:33:30
